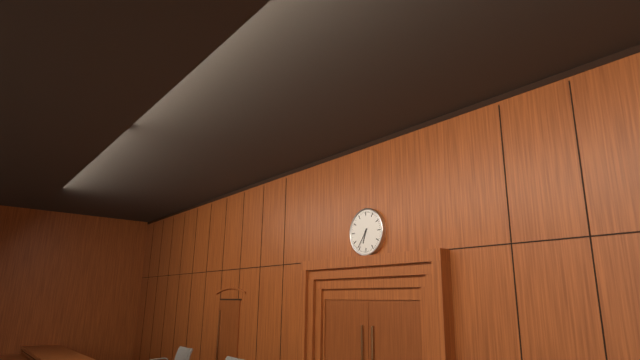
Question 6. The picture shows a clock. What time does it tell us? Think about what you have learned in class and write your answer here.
6:36
